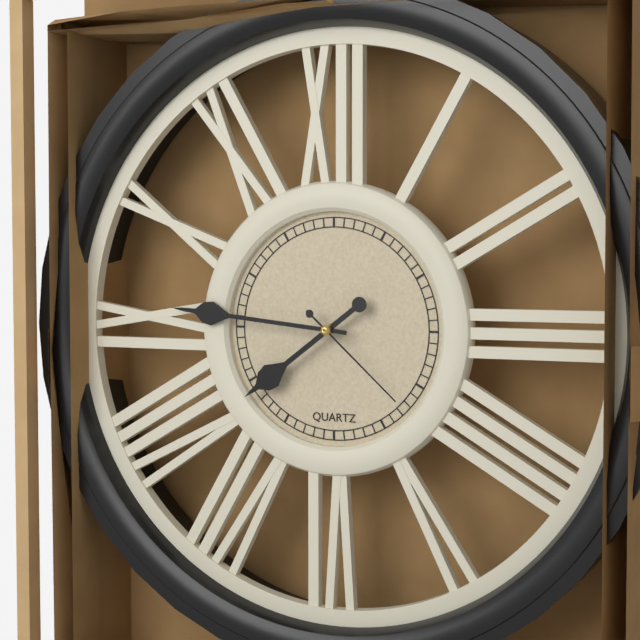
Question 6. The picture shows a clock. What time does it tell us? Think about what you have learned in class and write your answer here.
7:46:22
